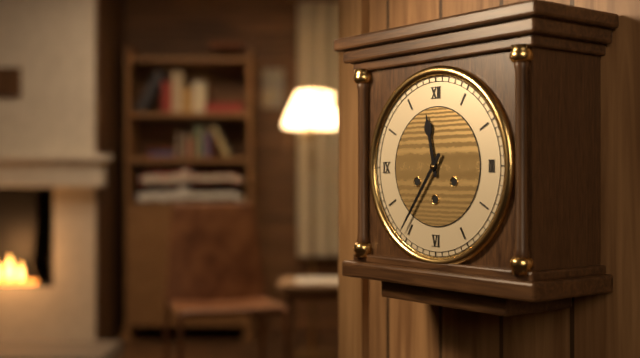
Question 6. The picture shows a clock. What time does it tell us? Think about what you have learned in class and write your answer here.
11:36
